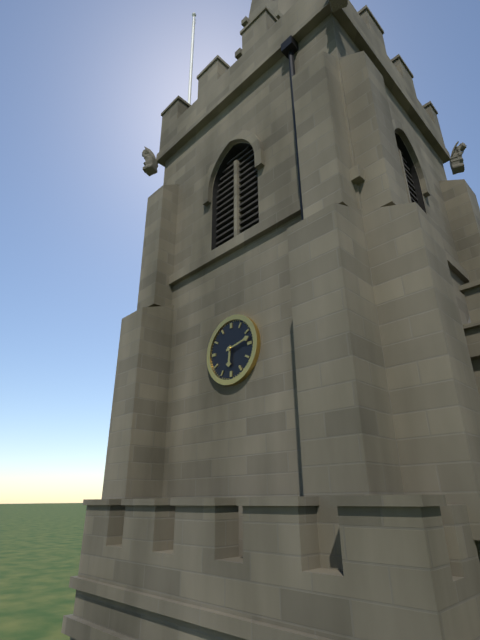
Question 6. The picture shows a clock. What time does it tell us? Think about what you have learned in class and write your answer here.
6:13
